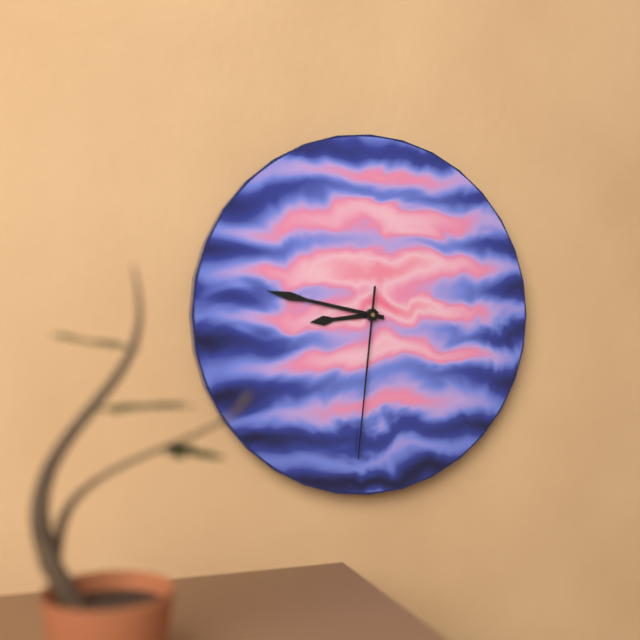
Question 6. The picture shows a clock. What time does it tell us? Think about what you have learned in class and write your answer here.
8:47:31
